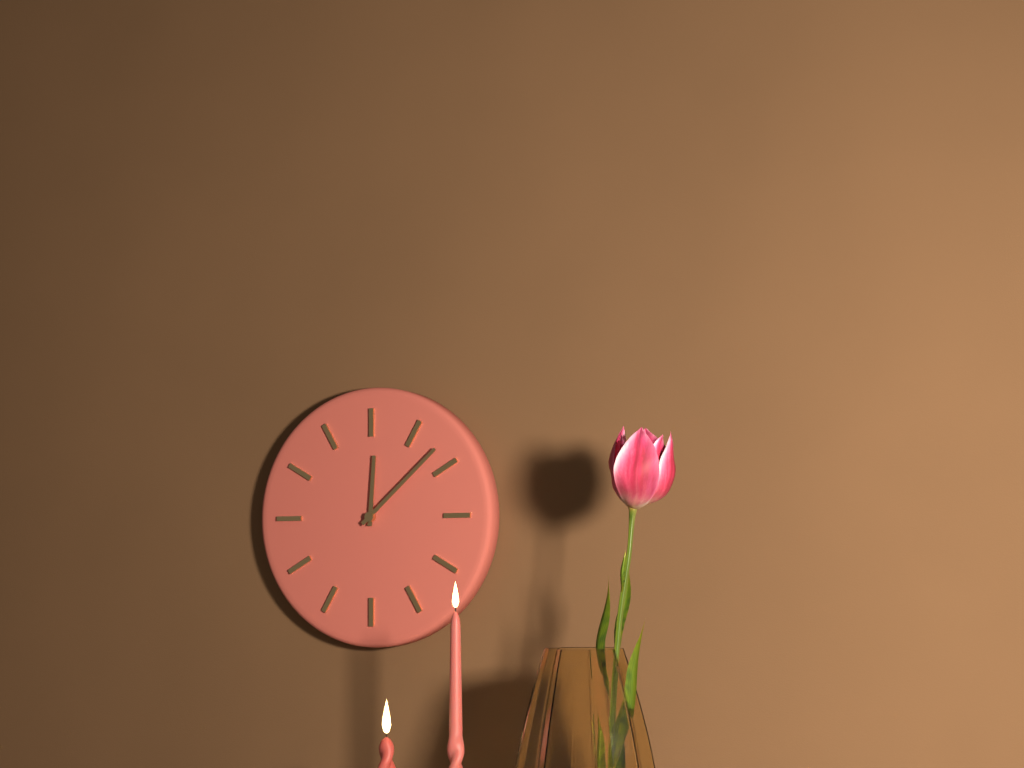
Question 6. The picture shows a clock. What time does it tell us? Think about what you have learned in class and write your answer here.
12:08
